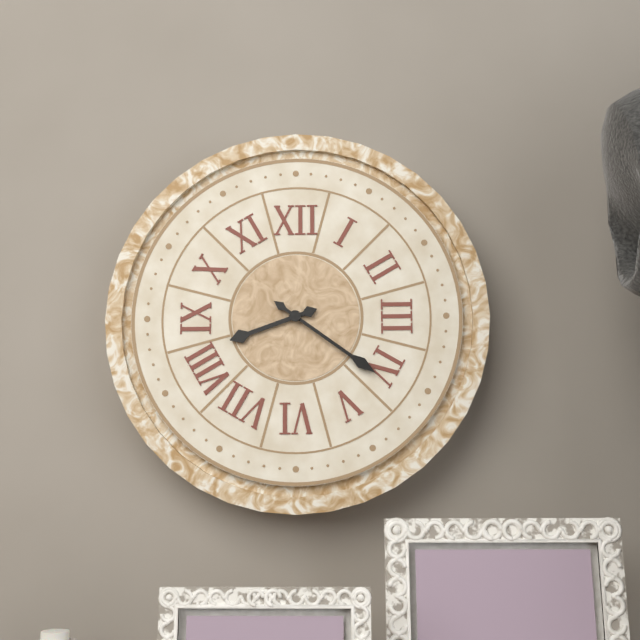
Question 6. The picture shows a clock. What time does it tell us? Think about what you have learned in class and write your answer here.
8:21
